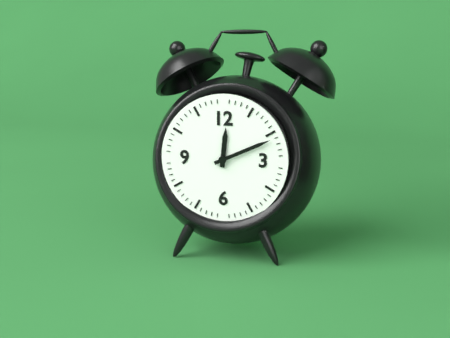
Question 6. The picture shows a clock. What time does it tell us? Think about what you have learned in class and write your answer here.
12:11
